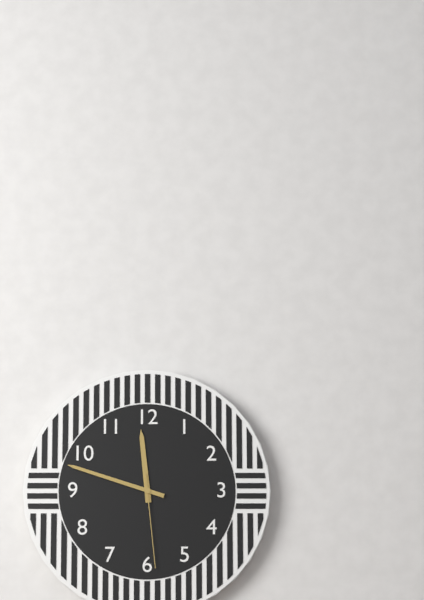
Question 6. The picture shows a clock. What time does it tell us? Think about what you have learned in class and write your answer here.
11:48:29
